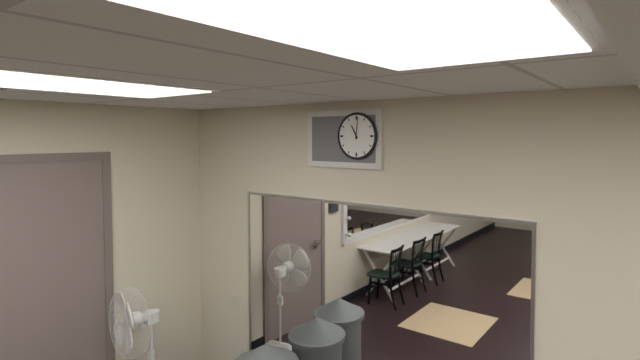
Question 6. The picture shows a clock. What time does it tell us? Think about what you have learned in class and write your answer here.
11:01
